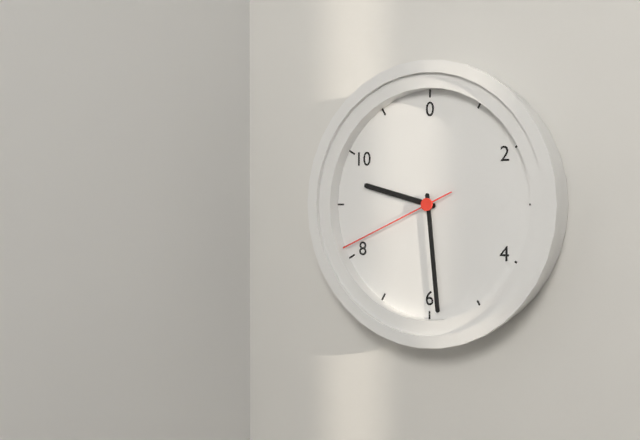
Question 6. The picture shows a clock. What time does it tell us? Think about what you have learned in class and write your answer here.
9:29:41
